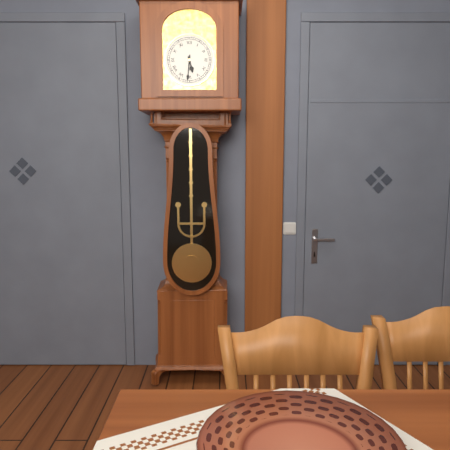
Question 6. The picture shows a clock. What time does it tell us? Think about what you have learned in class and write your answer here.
5:31
